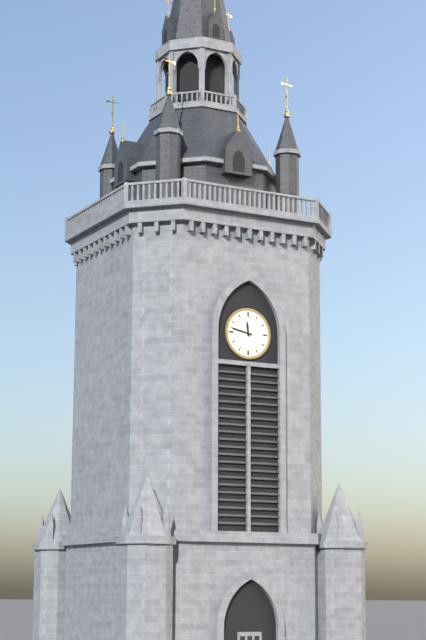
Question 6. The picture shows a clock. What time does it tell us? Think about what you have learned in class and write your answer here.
11:47
